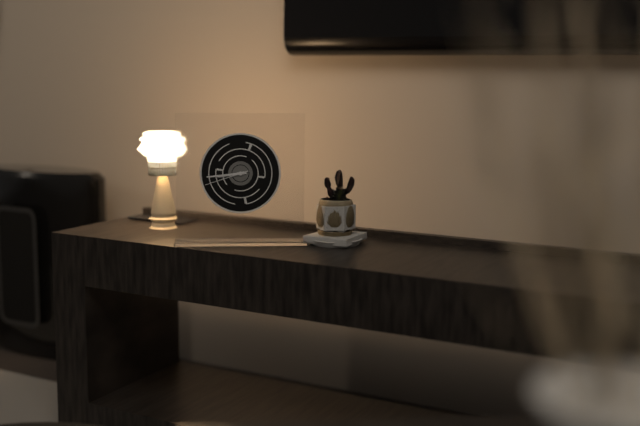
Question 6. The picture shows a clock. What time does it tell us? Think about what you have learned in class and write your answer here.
8:44
